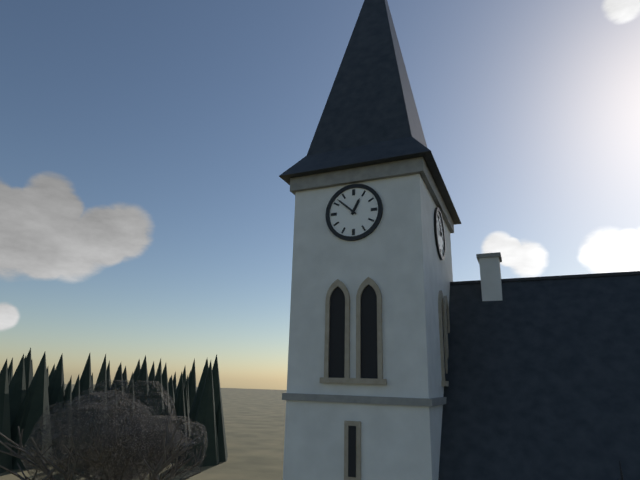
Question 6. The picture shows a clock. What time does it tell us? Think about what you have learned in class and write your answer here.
12:52
